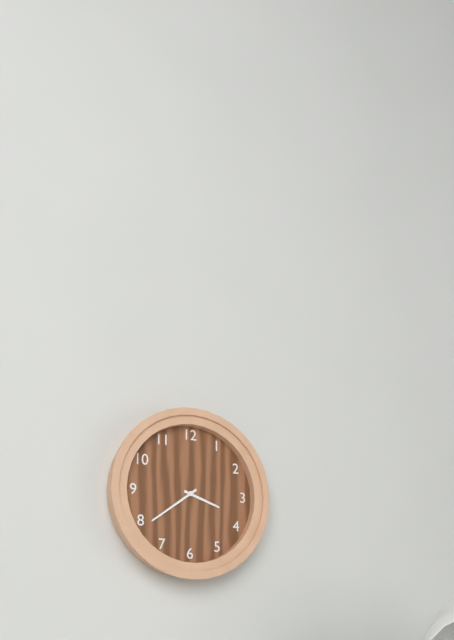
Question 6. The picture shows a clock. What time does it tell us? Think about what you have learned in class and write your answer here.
3:39
